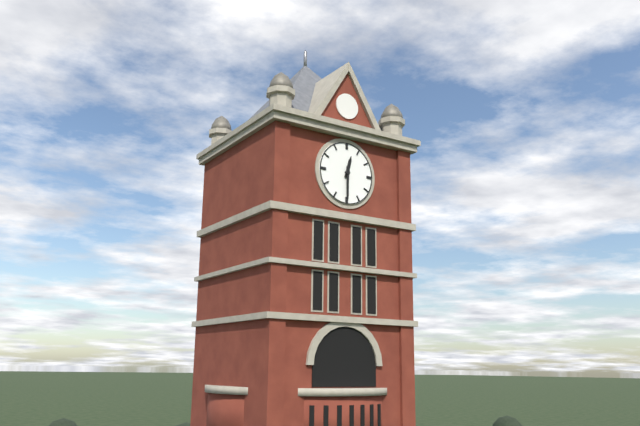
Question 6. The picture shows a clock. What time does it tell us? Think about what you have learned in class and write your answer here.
12:30
